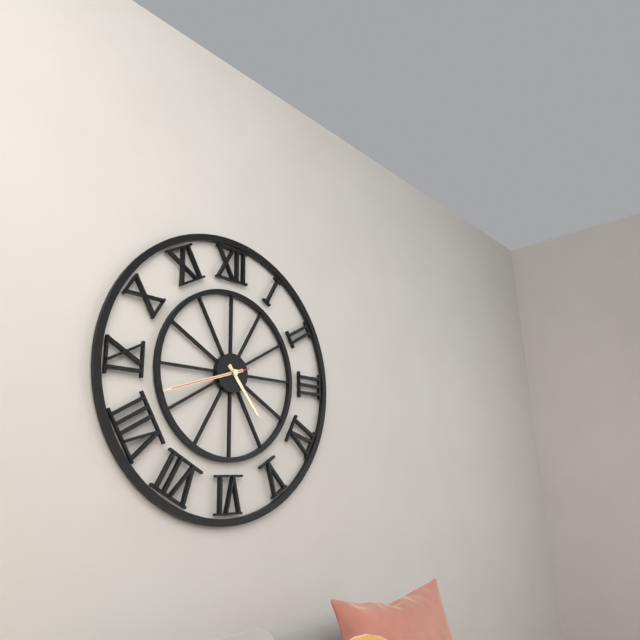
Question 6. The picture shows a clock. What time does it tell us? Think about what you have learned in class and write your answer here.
4:42:42
